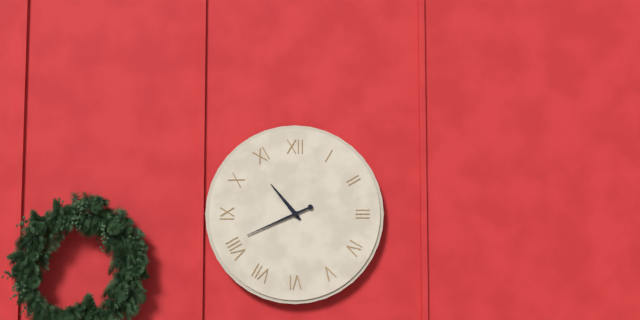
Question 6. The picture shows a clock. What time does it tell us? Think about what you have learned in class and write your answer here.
10:41
